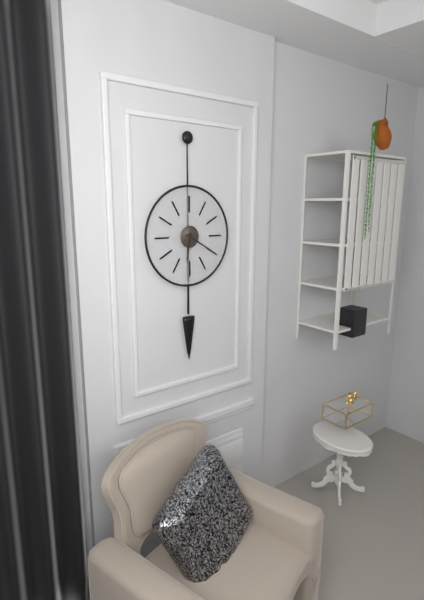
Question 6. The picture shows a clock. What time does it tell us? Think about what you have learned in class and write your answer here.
6:20
